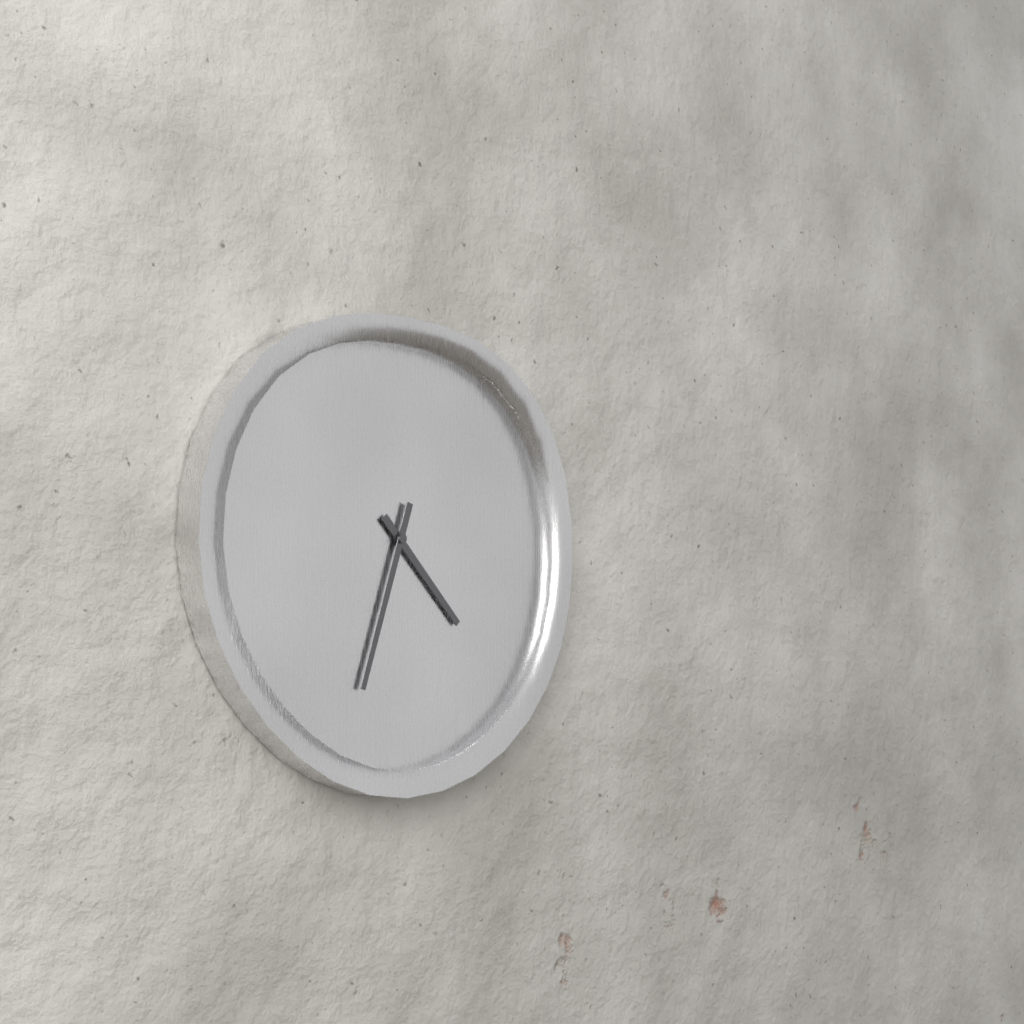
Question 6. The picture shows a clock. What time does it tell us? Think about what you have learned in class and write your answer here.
4:33
